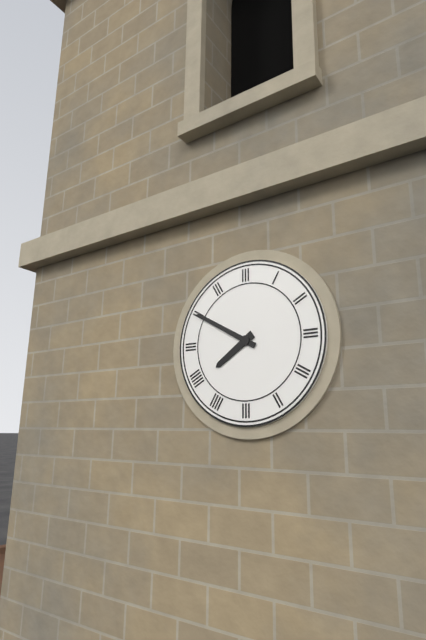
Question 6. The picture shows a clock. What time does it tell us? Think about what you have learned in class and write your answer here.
7:50
